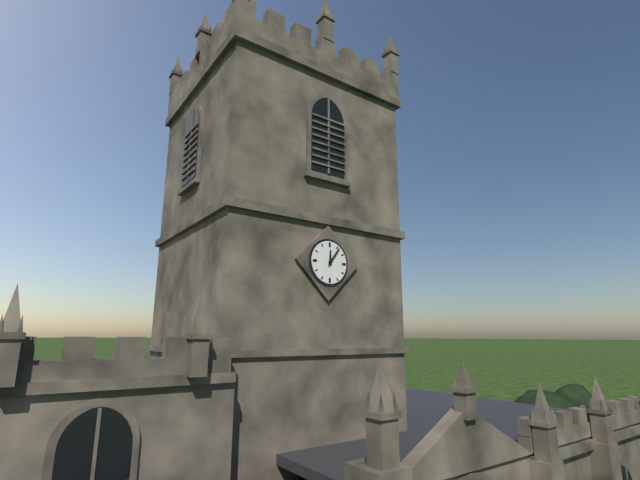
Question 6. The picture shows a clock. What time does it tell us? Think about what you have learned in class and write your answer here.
12:06
